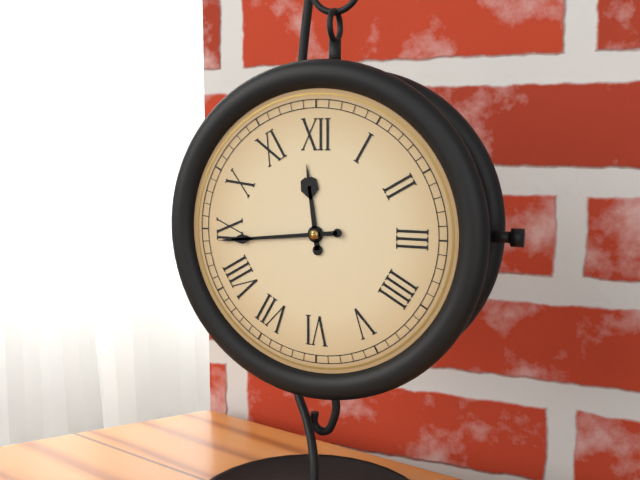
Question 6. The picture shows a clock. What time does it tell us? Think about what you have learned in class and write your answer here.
11:44
